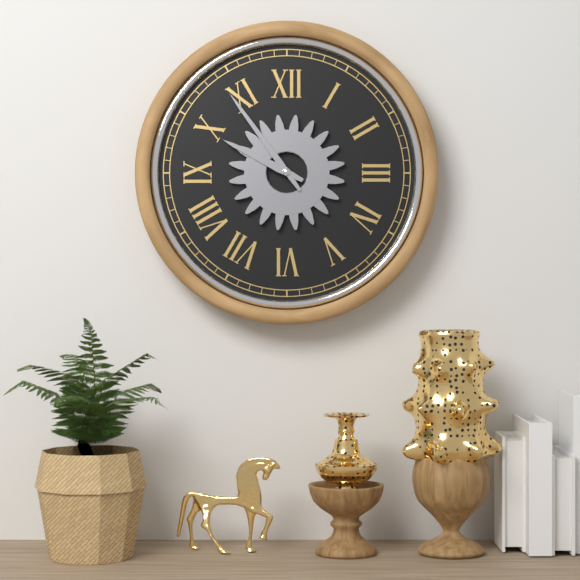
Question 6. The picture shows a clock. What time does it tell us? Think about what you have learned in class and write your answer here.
9:54
